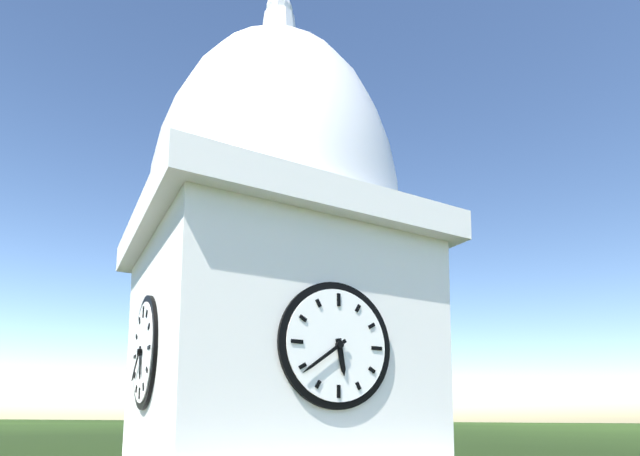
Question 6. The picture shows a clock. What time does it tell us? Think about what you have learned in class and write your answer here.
5:39
